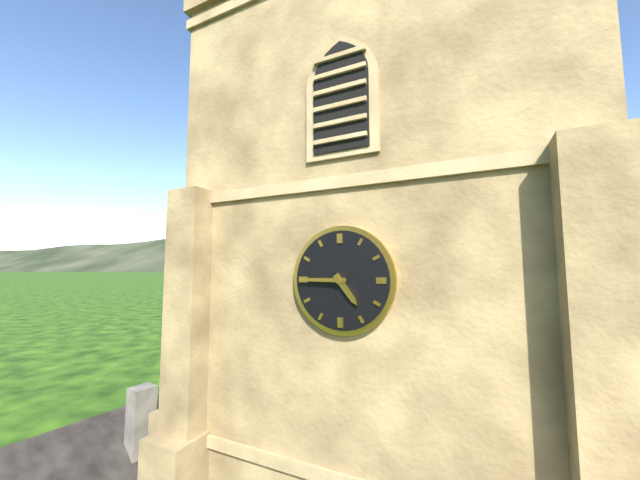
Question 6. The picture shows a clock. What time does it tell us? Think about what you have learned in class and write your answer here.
4:45
